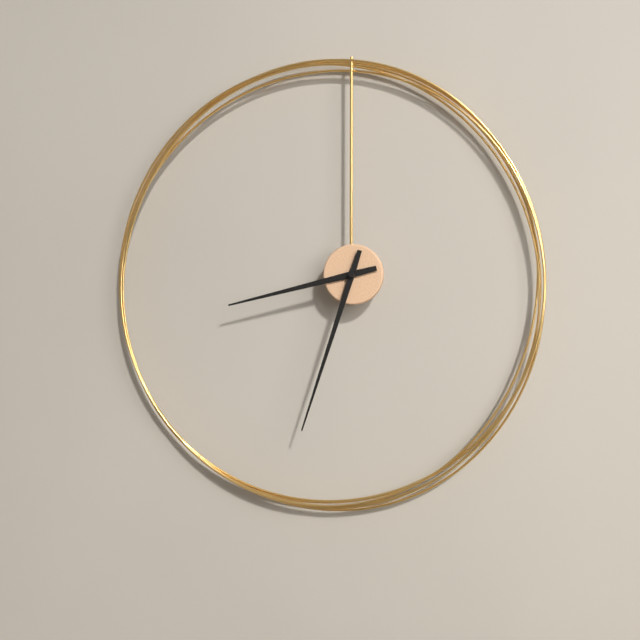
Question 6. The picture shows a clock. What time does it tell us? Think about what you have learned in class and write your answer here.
8:33
